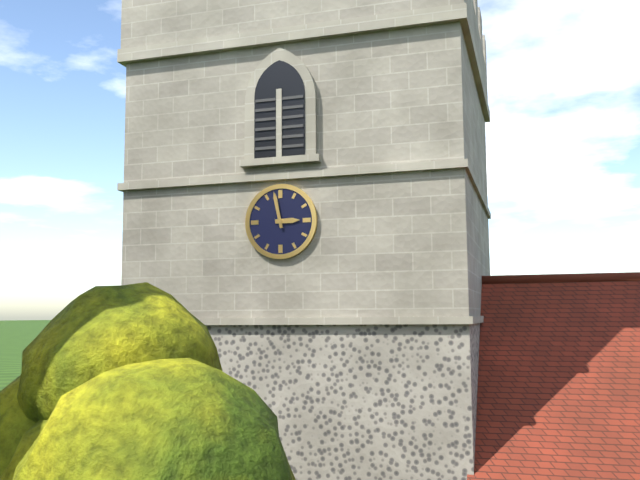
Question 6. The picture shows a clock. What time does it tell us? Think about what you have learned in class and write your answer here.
2:58
